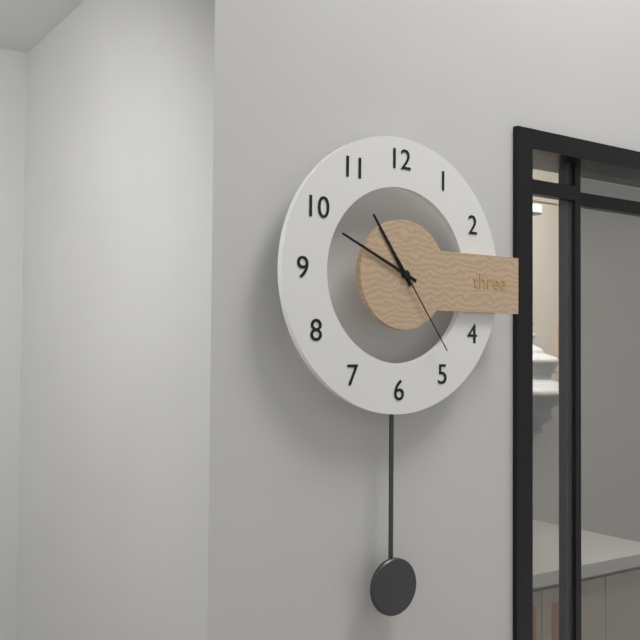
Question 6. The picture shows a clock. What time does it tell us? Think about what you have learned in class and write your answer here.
10:49:24
